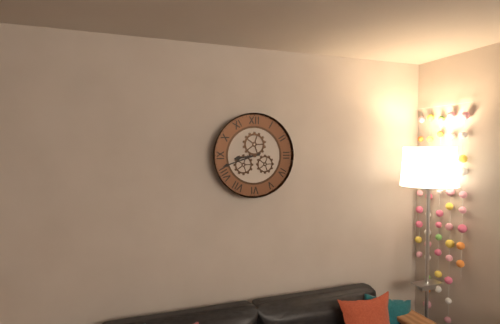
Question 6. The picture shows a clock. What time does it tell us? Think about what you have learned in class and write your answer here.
8:42
